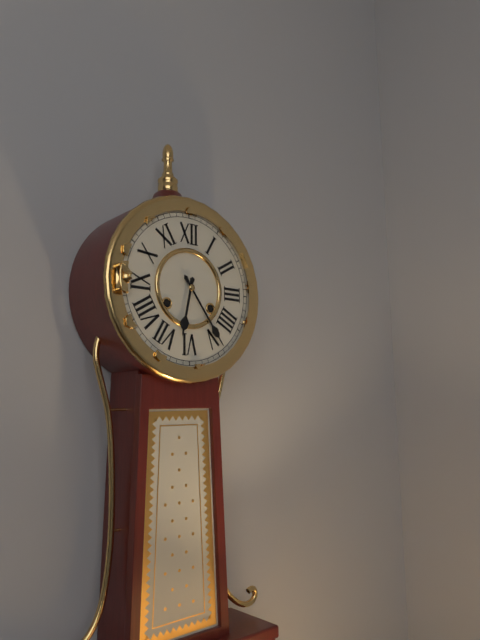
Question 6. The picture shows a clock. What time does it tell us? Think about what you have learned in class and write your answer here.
6:24
